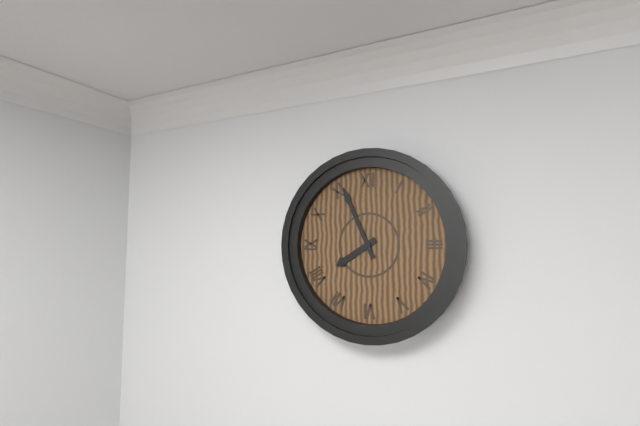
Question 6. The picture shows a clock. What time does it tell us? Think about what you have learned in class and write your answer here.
7:56
